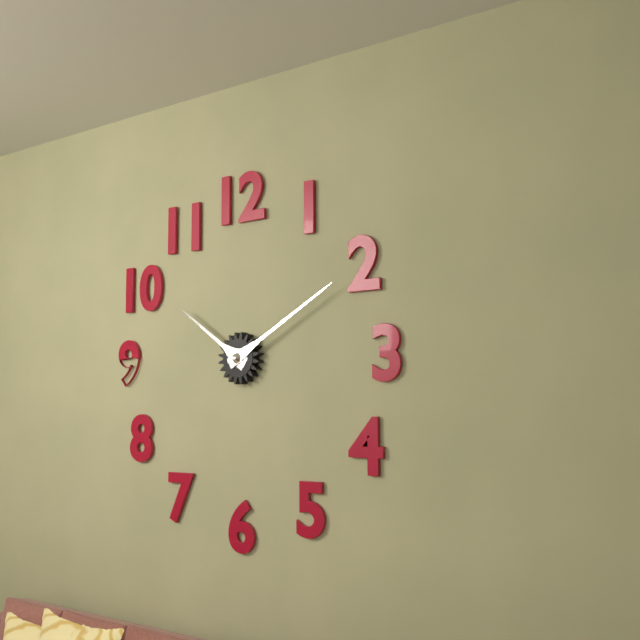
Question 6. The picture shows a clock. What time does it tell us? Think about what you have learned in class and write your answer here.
10:10
